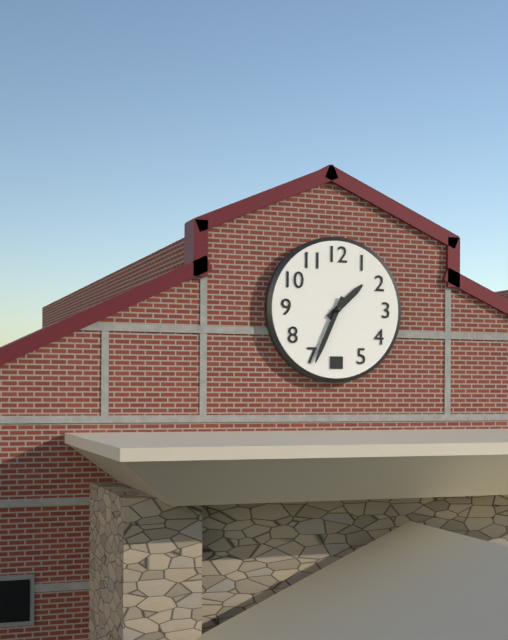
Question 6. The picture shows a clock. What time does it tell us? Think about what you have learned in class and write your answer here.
1:34
